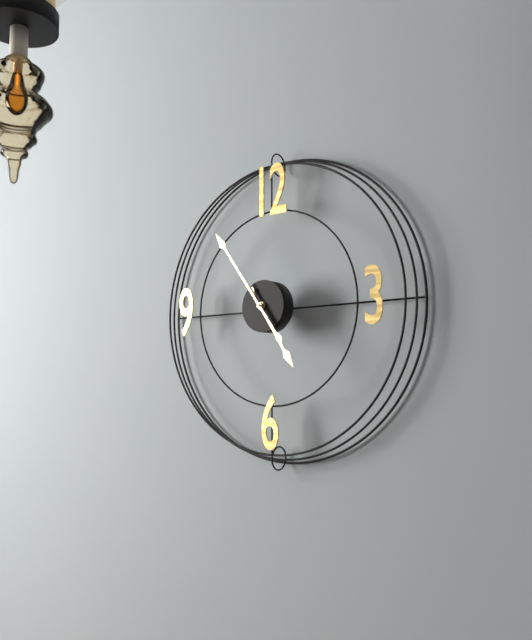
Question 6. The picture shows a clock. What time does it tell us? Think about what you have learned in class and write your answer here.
4:54
